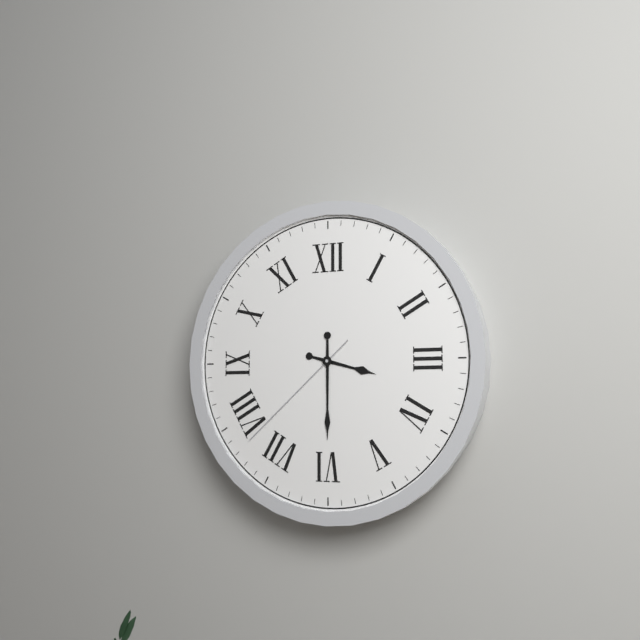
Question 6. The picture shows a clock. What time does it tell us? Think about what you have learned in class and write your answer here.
3:30:38
